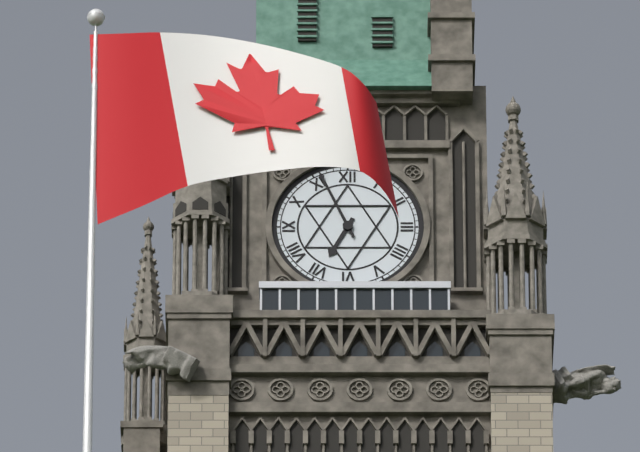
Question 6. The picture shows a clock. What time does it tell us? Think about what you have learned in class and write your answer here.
6:56
